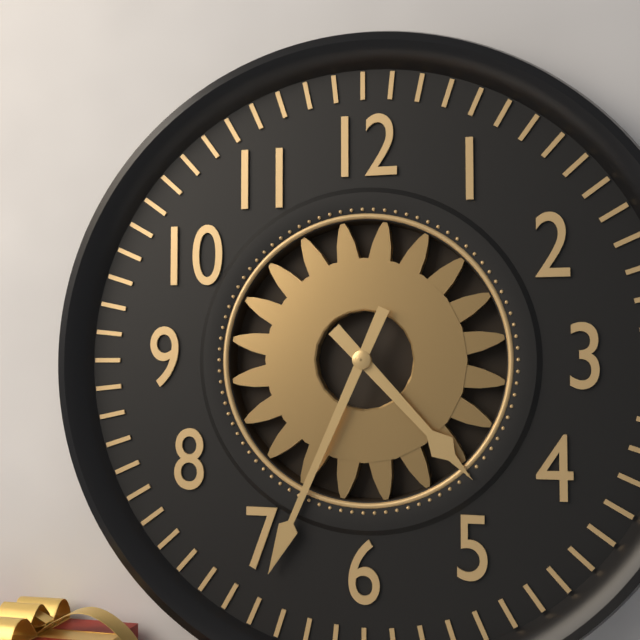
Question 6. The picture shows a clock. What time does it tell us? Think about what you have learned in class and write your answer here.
4:34
